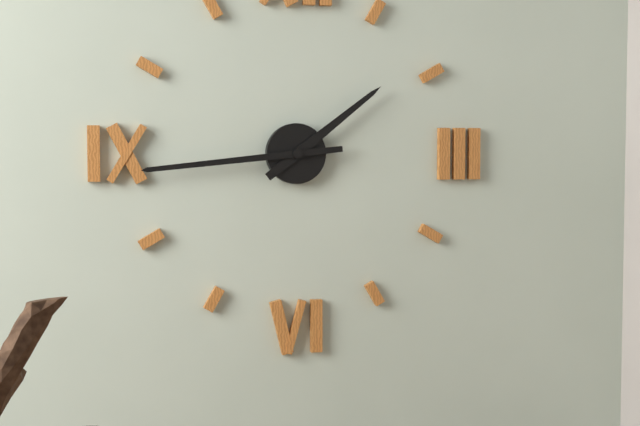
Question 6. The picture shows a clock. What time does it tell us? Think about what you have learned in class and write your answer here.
1:44
